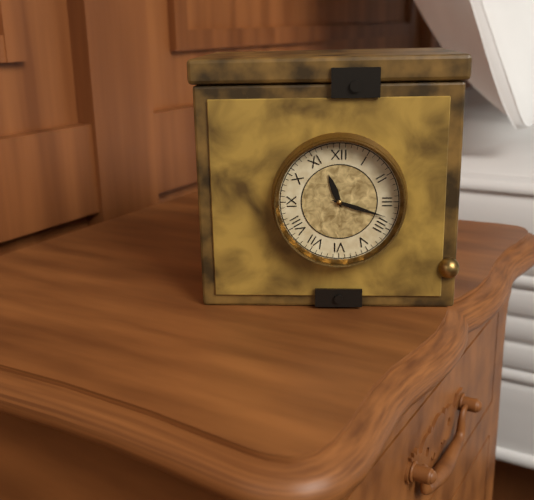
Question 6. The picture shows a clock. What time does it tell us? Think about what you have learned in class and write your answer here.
11:18
